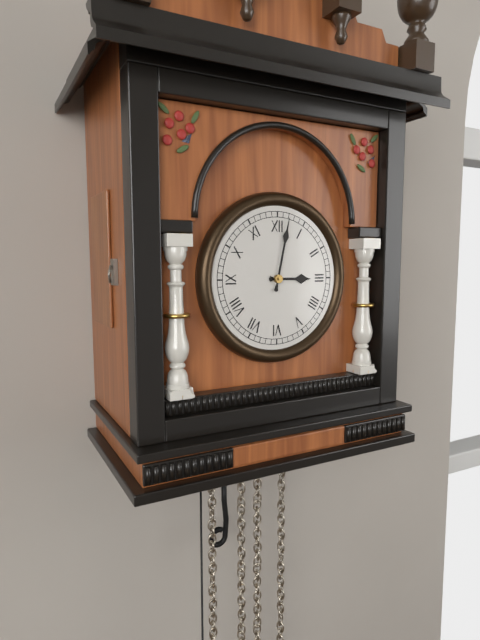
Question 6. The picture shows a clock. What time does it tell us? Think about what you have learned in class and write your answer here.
3:02
